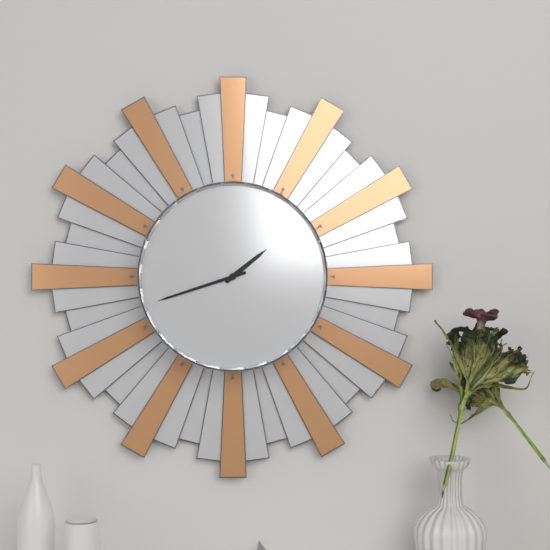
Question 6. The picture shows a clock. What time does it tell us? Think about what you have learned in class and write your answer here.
1:42
